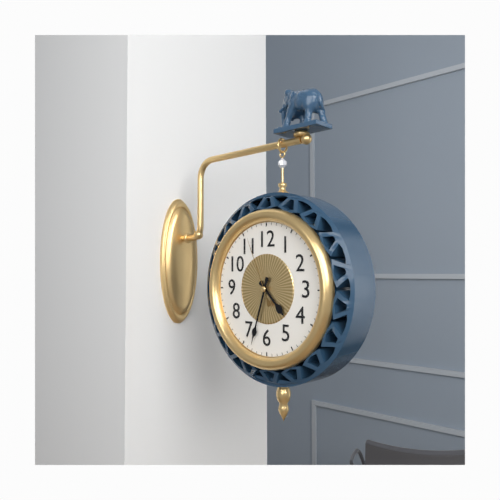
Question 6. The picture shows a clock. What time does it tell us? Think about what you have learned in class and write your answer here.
4:33:56
